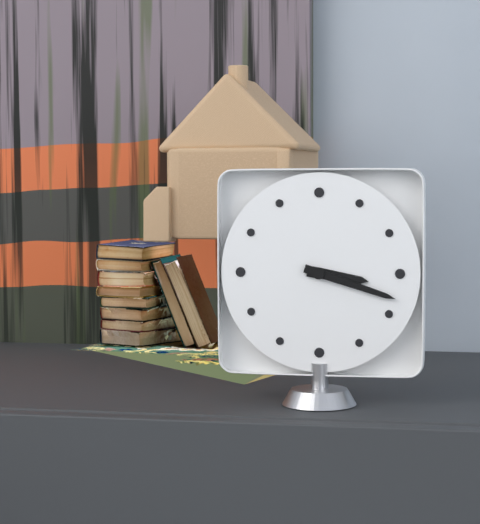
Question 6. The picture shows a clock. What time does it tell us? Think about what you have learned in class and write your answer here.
3:18
